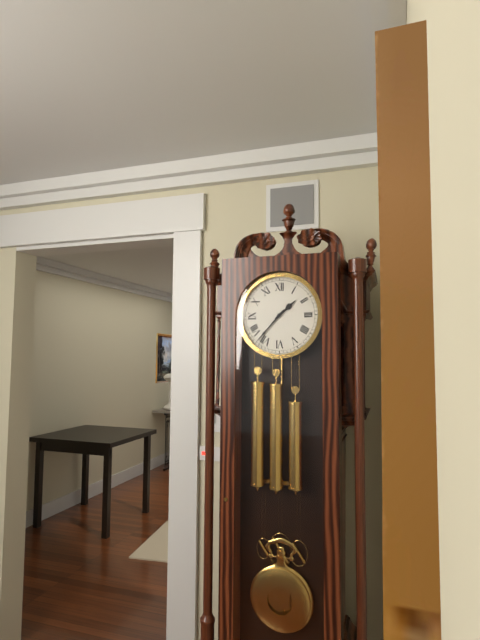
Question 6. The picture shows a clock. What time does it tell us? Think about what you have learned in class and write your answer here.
1:37
